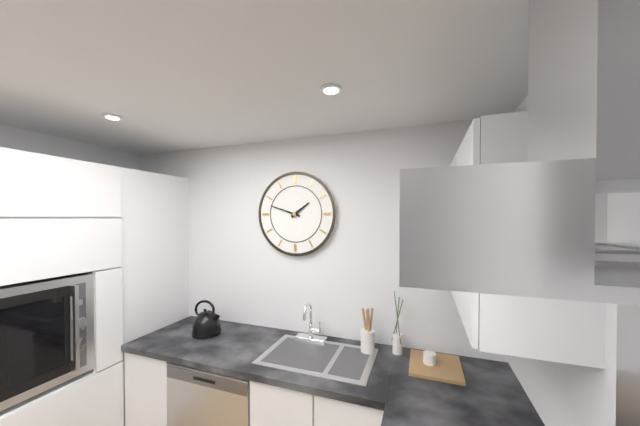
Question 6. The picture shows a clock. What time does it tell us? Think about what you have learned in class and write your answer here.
1:48
